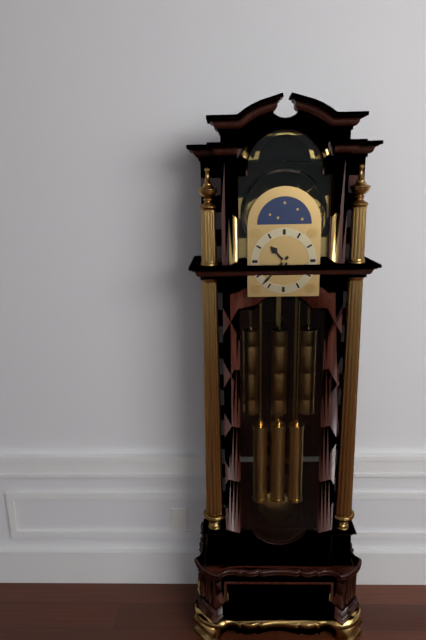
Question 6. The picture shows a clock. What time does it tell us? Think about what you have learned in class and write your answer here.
10:37
